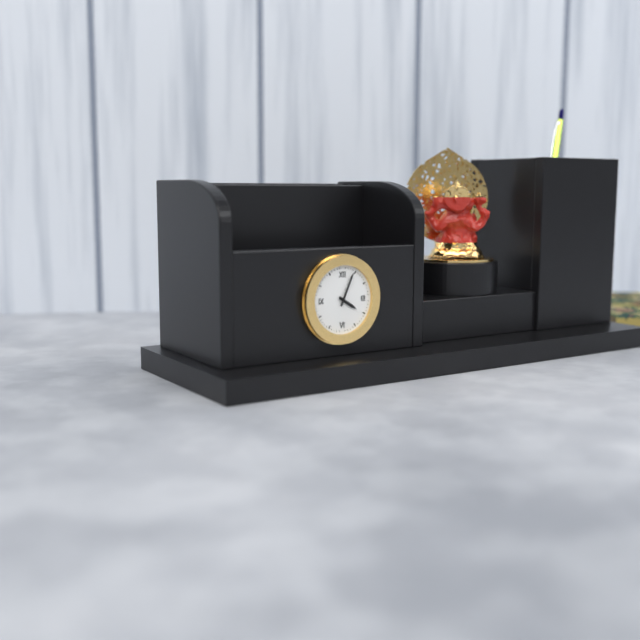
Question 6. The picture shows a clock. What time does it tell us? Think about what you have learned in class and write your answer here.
4:04
